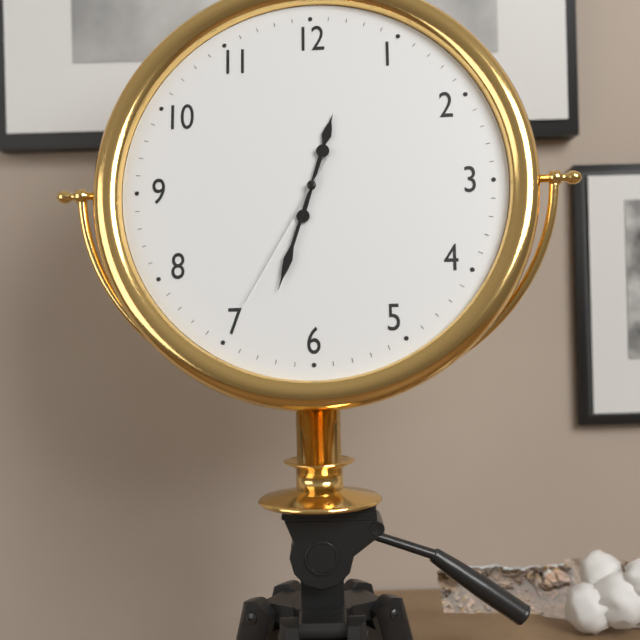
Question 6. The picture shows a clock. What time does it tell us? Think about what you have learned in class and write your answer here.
12:33:35
